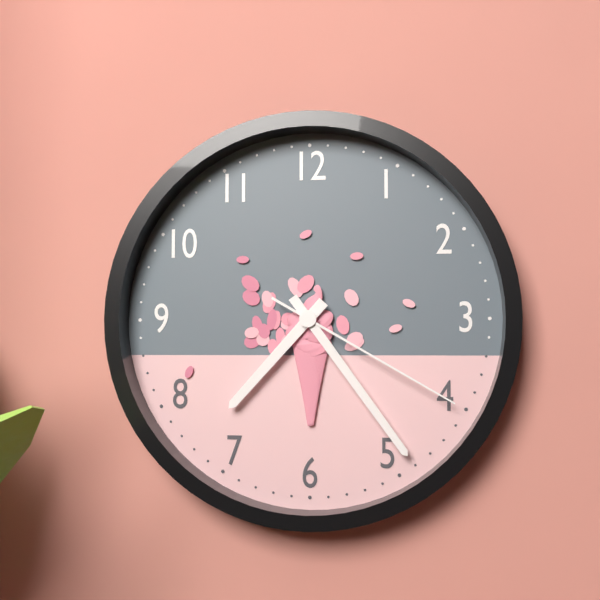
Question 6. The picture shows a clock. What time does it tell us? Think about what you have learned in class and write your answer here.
7:24:20
